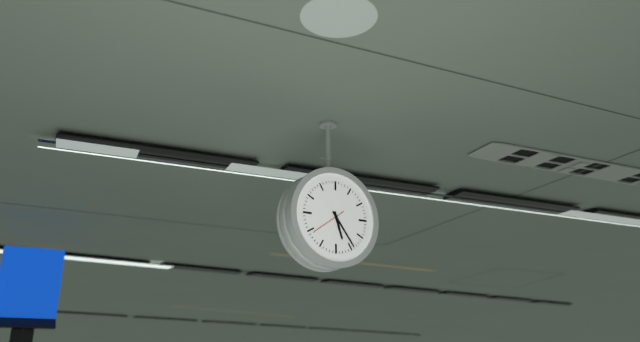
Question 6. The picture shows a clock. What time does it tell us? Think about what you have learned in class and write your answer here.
5:24
